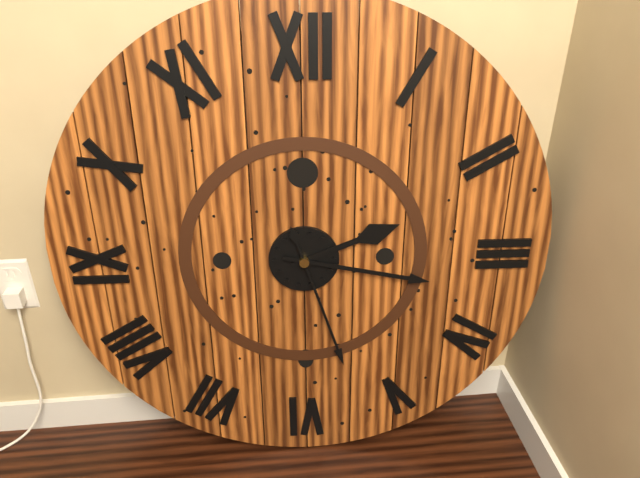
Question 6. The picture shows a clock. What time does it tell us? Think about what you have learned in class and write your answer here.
2:17:27
